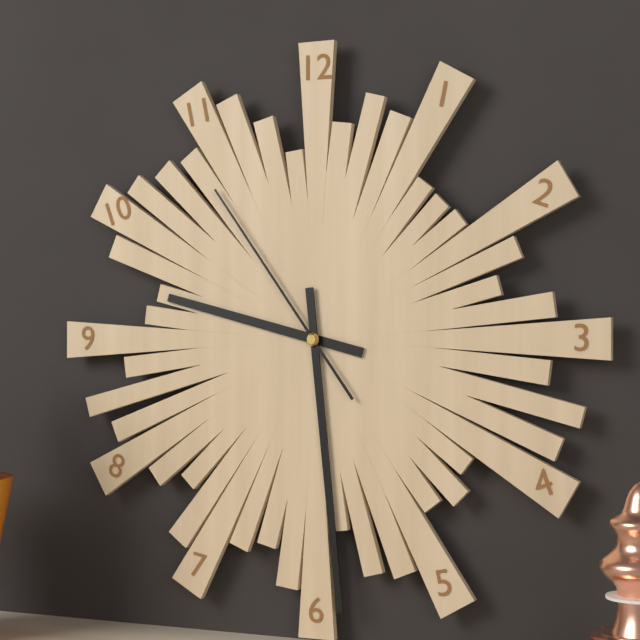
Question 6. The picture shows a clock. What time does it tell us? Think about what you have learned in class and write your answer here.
9:29:54
